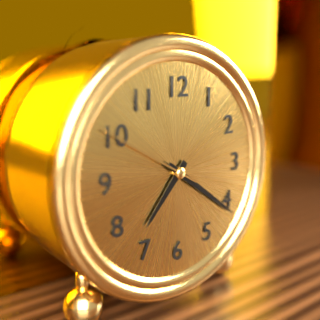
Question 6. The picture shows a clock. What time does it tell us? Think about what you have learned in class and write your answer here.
7:21:50
